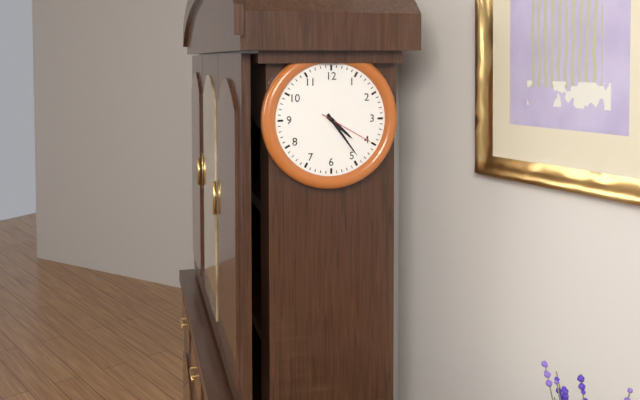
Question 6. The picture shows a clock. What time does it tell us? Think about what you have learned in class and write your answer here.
4:24:20
